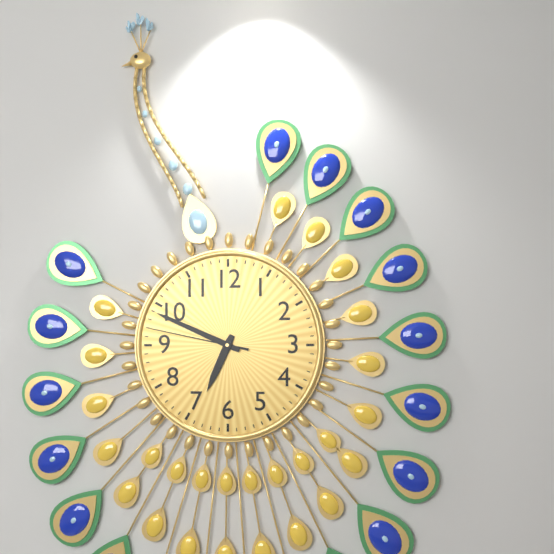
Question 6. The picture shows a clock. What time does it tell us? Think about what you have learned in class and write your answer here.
6:49:47
